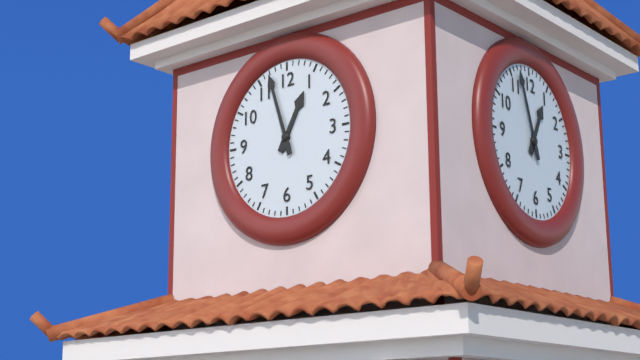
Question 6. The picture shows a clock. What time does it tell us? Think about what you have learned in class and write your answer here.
12:57
